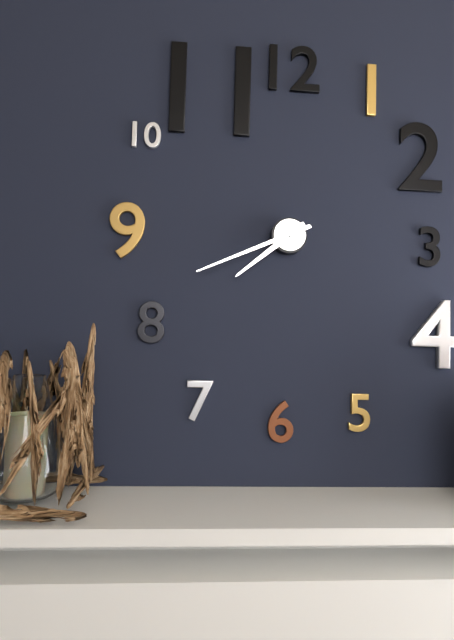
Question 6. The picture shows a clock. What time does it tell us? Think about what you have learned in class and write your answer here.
7:41
